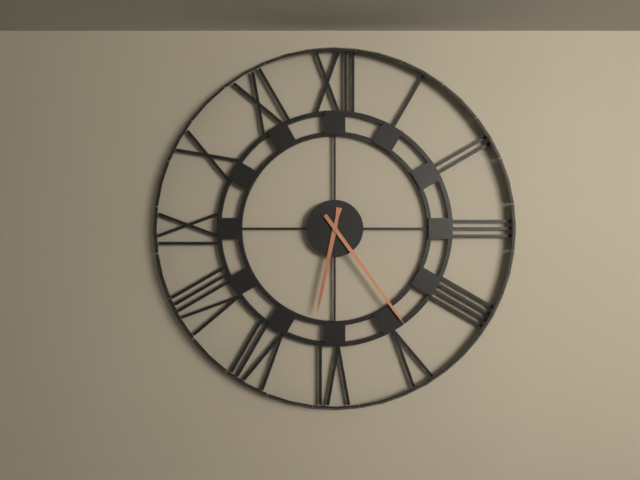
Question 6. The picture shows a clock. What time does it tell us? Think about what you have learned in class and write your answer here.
6:24
